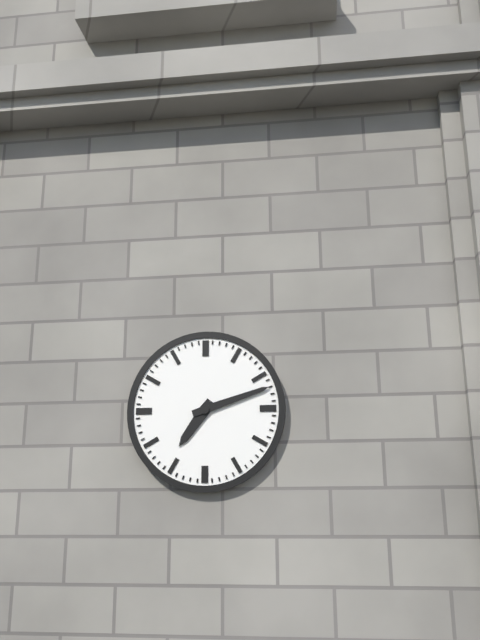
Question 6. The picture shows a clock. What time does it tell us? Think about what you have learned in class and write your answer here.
7:12
